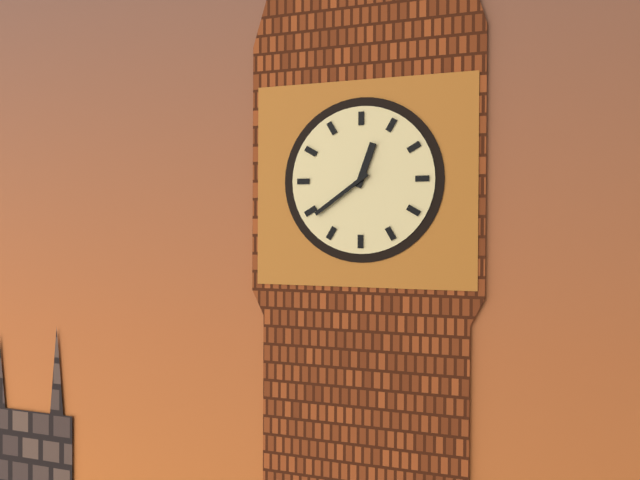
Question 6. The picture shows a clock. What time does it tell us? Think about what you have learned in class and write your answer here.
12:39
